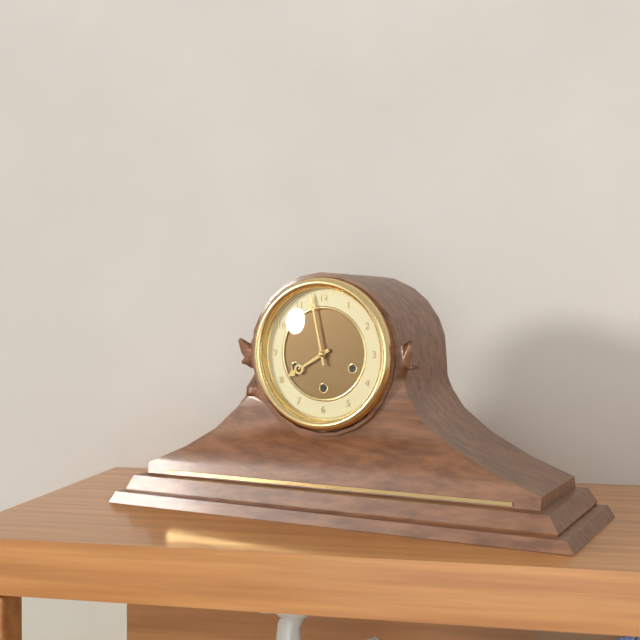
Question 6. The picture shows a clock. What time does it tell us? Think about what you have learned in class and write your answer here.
7:58
